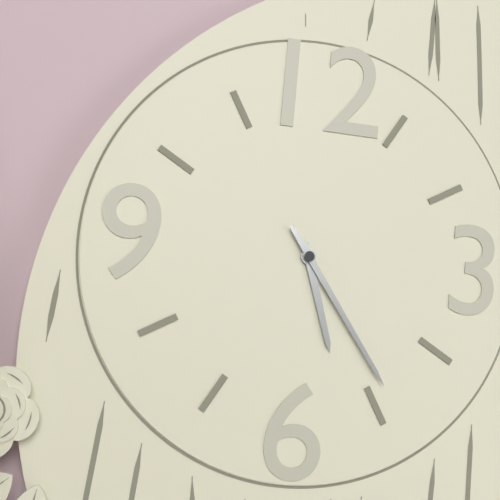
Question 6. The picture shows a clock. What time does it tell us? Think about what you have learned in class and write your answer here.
5:24
